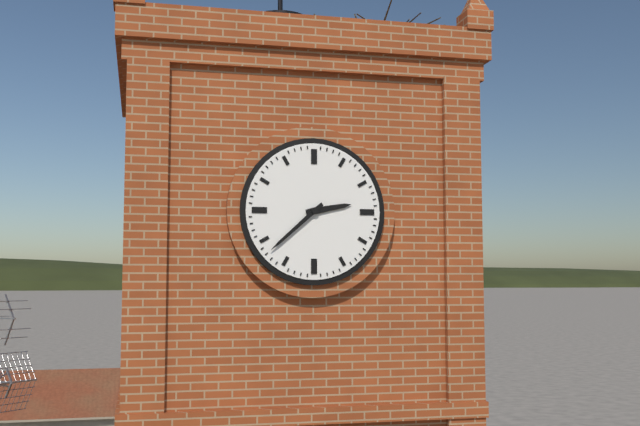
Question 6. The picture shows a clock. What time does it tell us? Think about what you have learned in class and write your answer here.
2:38
